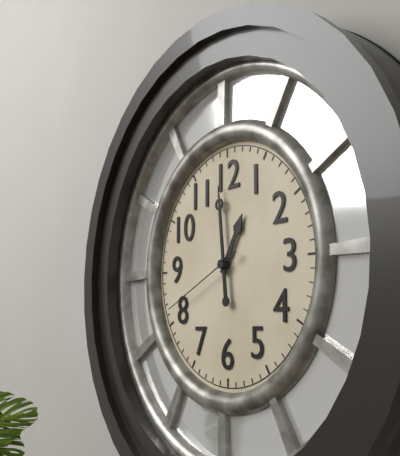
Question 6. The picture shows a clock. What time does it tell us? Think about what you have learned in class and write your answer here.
12:59:41
